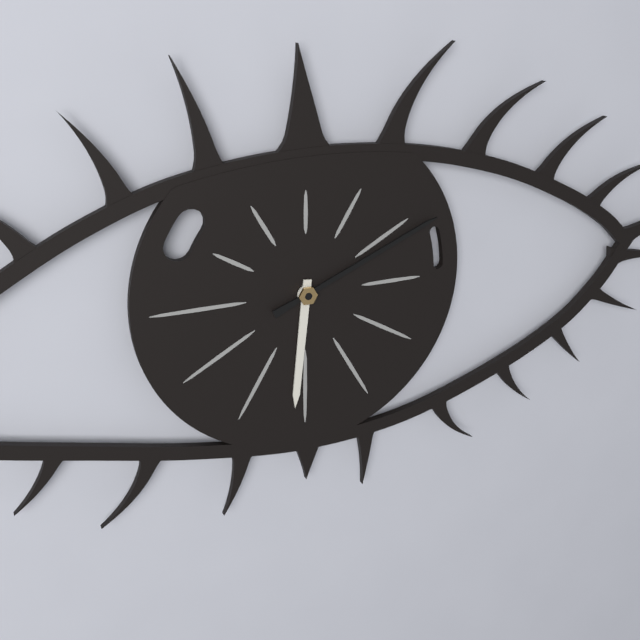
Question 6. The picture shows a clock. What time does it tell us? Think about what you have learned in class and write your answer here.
6:11
